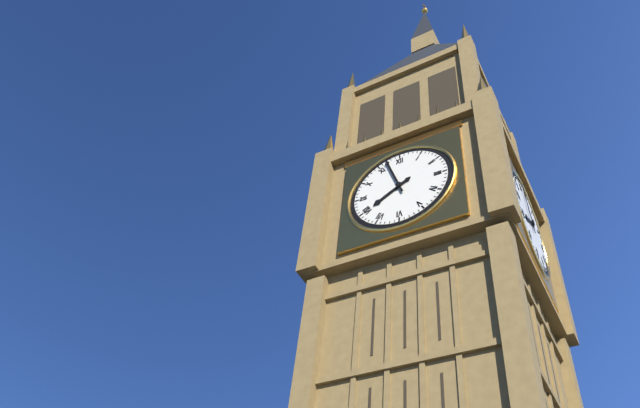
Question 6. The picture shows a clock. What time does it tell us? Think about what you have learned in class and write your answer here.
7:57
